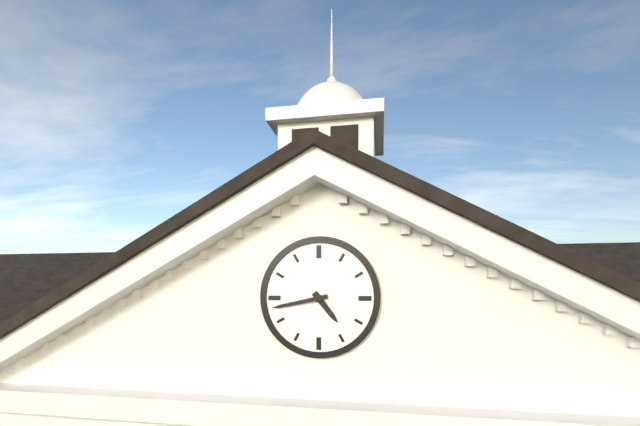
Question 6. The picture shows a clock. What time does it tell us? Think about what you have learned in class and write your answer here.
4:43
